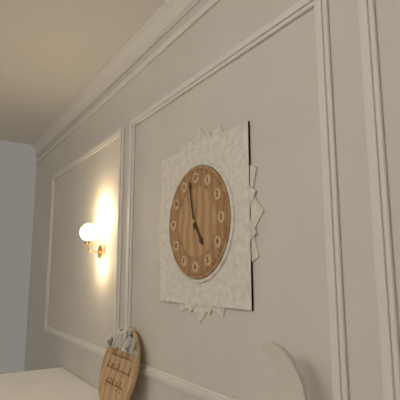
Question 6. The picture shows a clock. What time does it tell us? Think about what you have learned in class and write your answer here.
4:58
